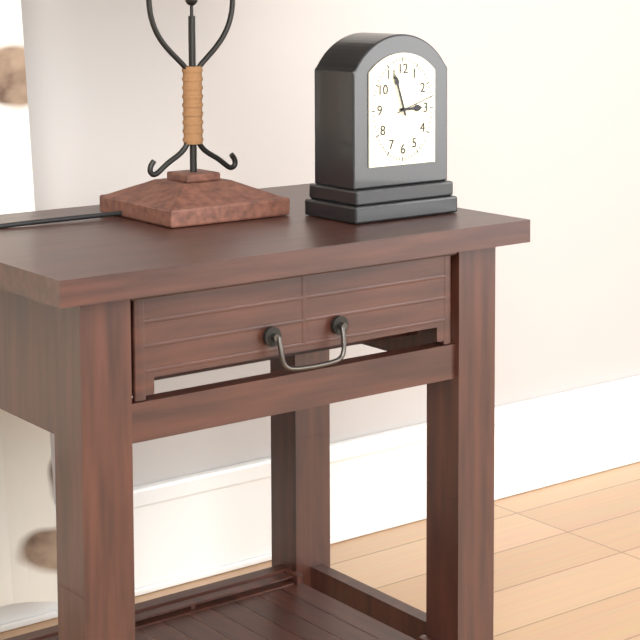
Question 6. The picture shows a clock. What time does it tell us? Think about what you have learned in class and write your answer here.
2:57
